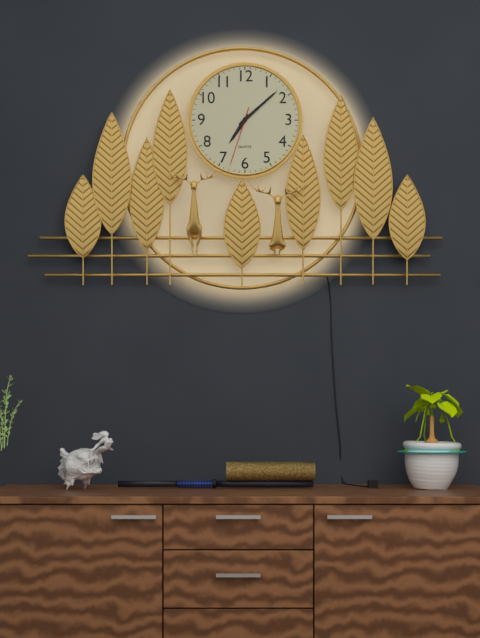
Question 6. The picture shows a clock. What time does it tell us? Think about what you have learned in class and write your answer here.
7:08:33
